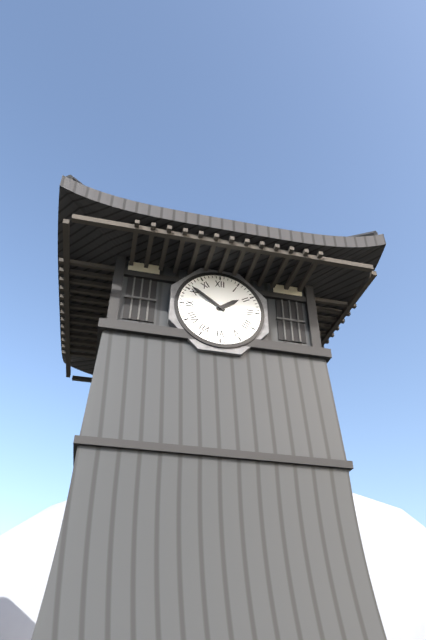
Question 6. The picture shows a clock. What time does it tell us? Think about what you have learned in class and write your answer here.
1:51
